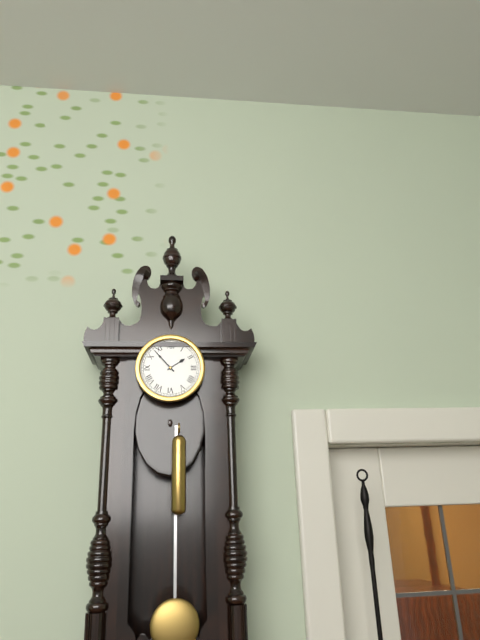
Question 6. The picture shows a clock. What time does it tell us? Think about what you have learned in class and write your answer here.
1:53
